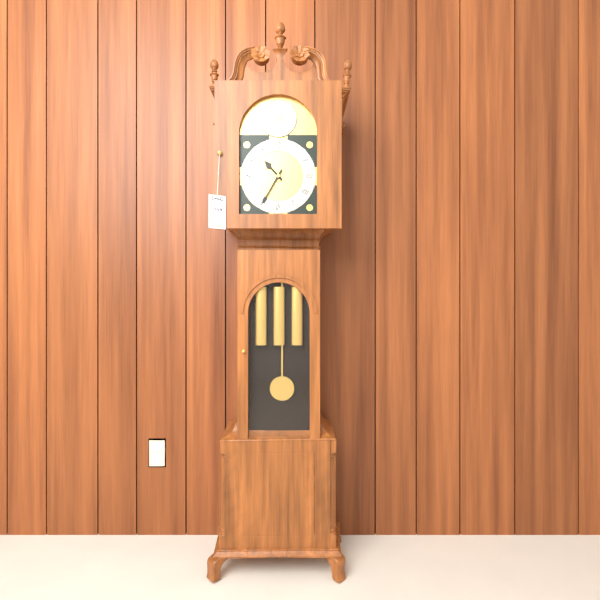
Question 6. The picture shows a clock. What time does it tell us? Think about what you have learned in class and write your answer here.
10:35
